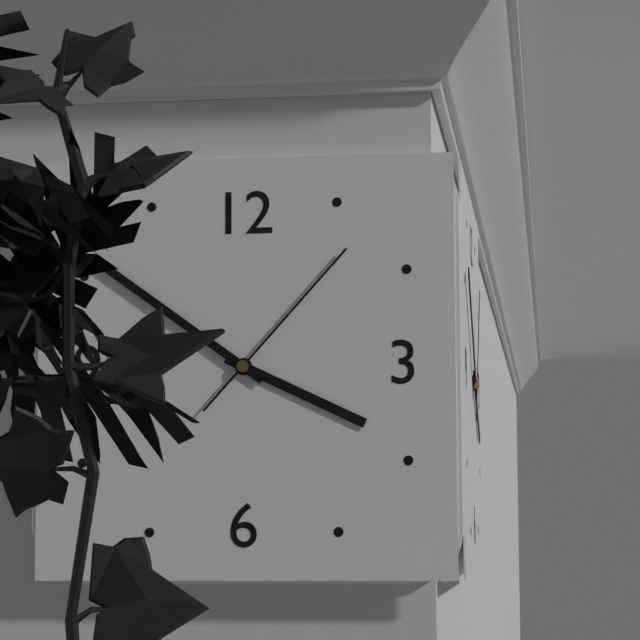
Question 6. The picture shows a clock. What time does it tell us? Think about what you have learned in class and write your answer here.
3:51:07
